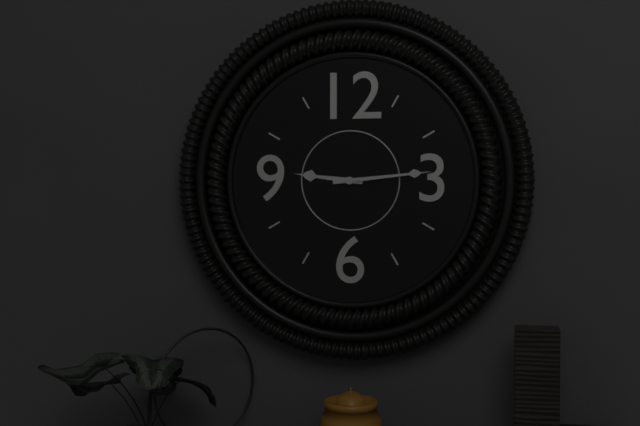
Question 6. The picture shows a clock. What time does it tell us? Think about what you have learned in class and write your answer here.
9:14
